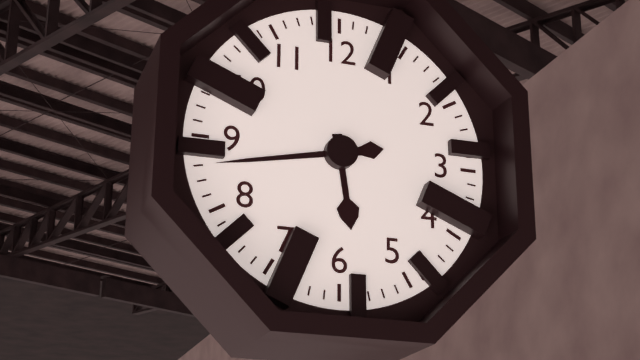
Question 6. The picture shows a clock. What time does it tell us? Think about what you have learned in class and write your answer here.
5:43
